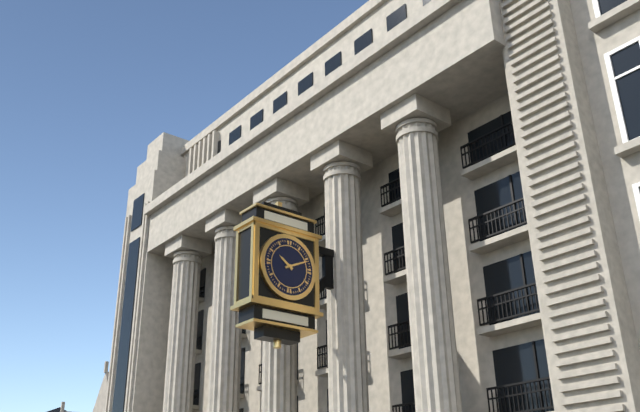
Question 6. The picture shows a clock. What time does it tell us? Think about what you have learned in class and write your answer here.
10:11
